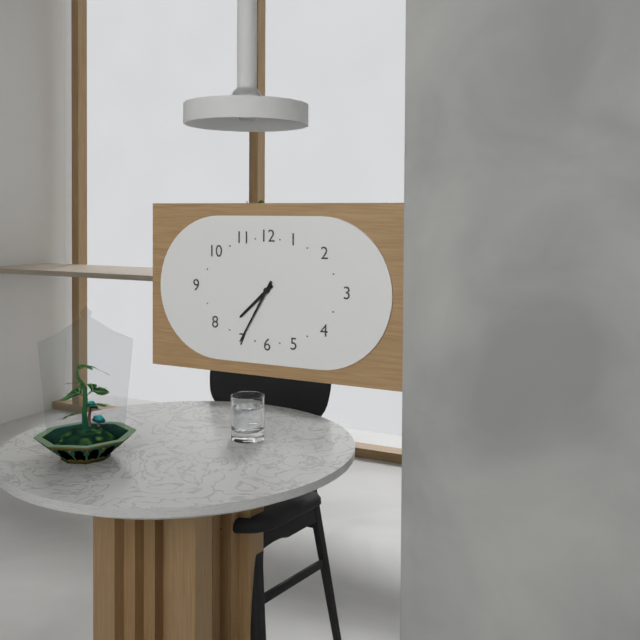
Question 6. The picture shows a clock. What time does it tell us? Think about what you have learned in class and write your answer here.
7:35
